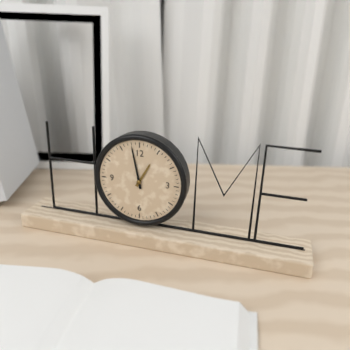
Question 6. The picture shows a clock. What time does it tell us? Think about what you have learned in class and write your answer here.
12:58
